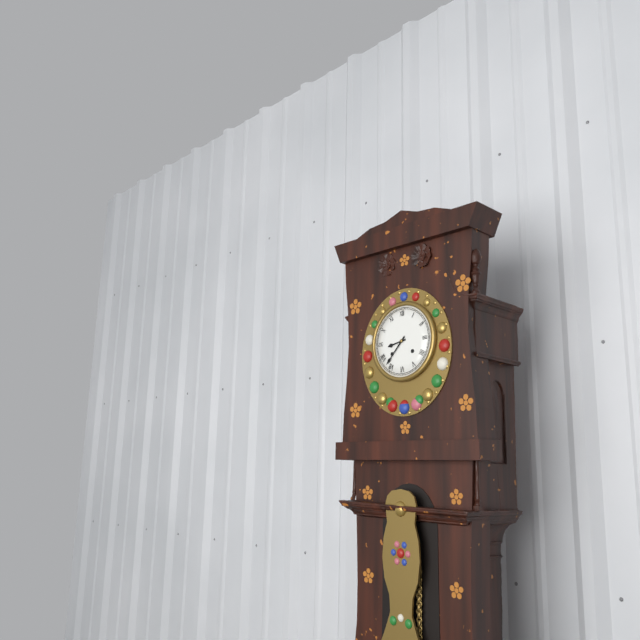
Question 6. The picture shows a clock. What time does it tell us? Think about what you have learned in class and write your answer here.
8:37
